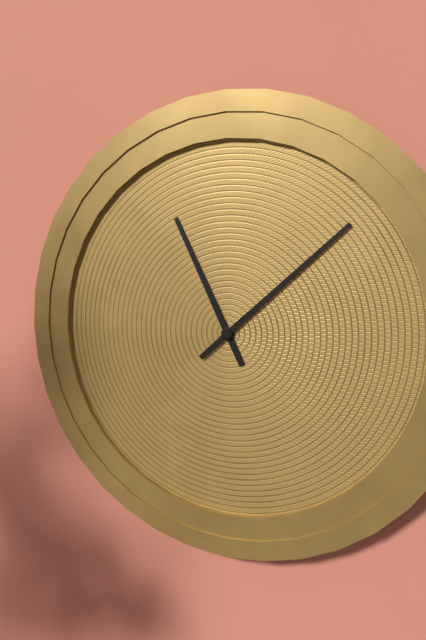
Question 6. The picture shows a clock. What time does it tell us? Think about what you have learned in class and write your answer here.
11:08
